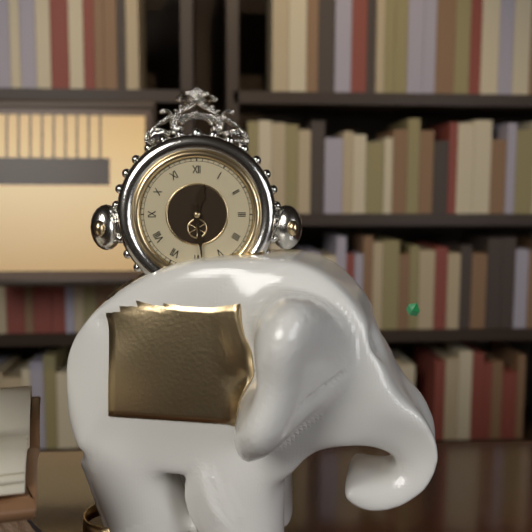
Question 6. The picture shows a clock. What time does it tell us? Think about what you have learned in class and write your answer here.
12:29
